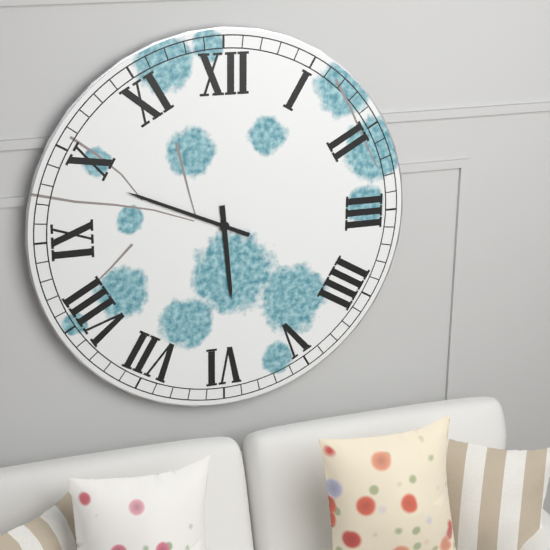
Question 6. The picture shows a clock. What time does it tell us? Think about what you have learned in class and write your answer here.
5:49
